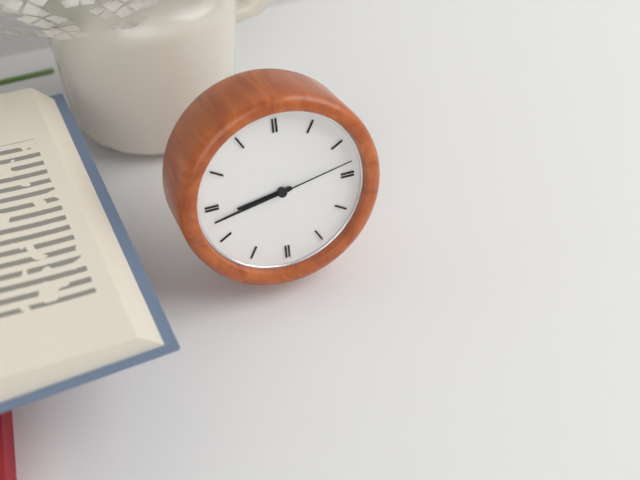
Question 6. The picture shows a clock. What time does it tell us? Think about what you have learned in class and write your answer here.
8:43:13
